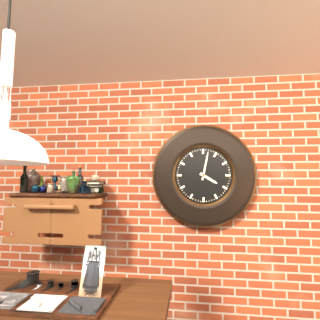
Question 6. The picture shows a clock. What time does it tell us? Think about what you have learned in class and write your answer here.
4:02
